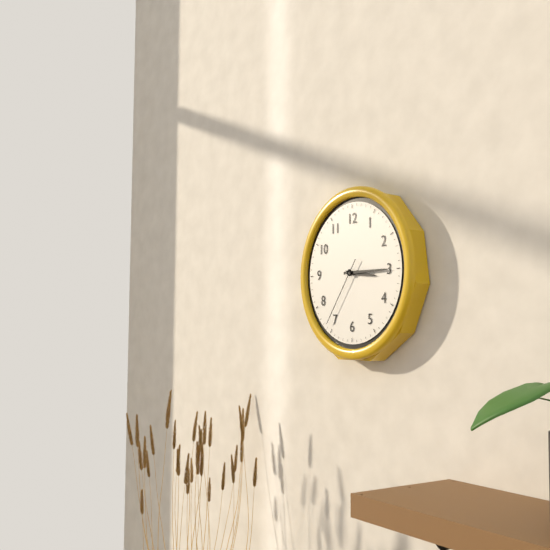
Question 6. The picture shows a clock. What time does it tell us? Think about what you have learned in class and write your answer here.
3:15:36
